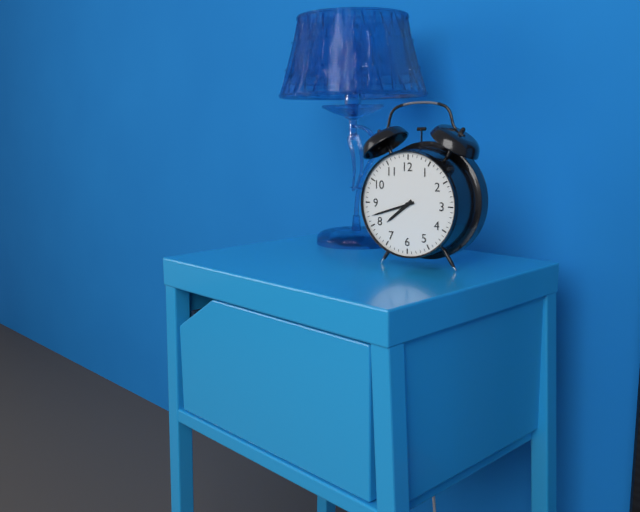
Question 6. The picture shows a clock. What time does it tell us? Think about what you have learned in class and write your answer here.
7:42
